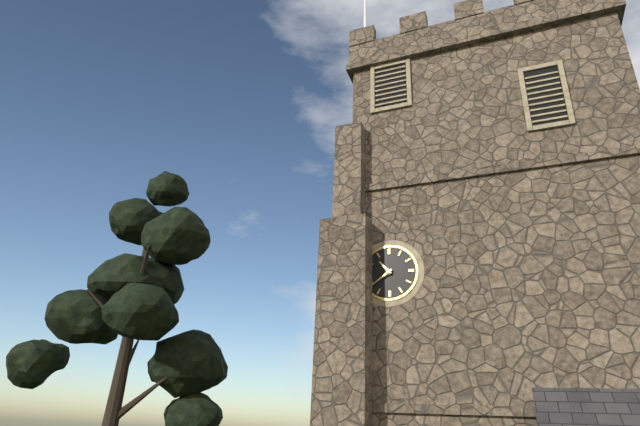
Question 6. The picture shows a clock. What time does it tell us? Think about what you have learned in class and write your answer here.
10:39
